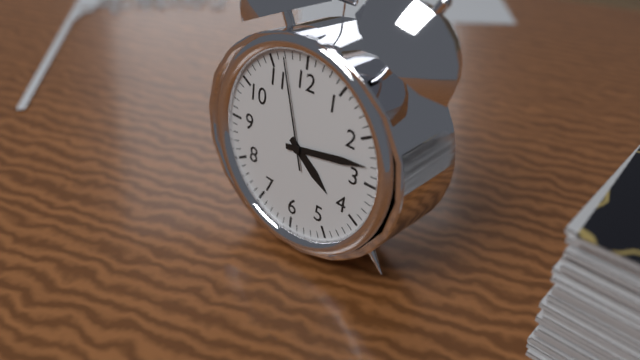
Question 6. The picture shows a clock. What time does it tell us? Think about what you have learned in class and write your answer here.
4:13:57
